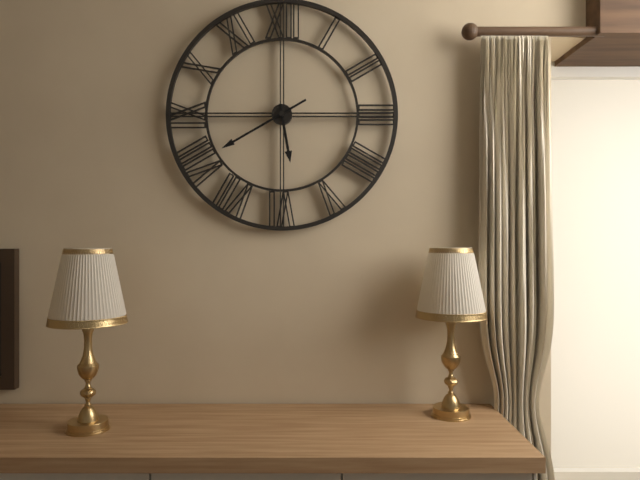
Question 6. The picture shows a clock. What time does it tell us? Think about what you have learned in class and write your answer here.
5:40
